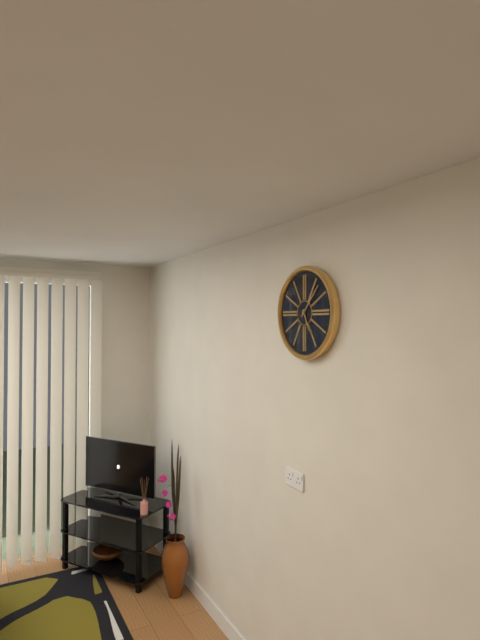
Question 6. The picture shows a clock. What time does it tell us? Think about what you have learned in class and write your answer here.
5:07
